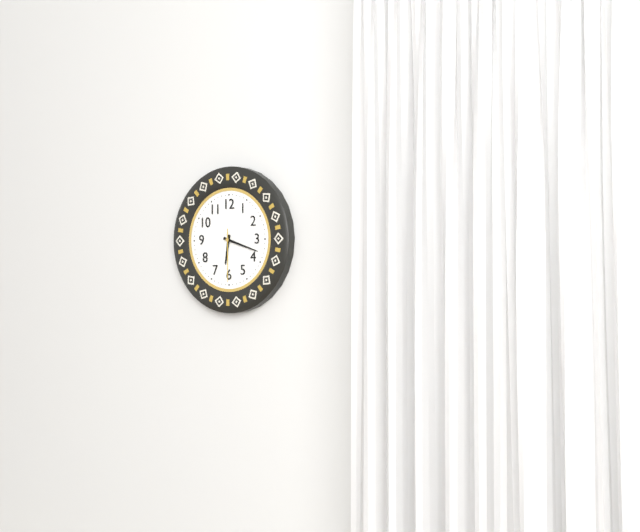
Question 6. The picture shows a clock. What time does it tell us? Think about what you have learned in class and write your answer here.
6:18:30
